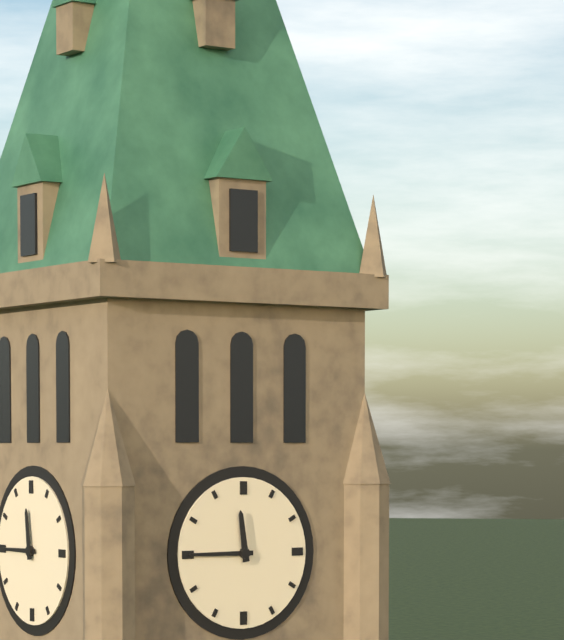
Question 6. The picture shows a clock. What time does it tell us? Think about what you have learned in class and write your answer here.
11:45
